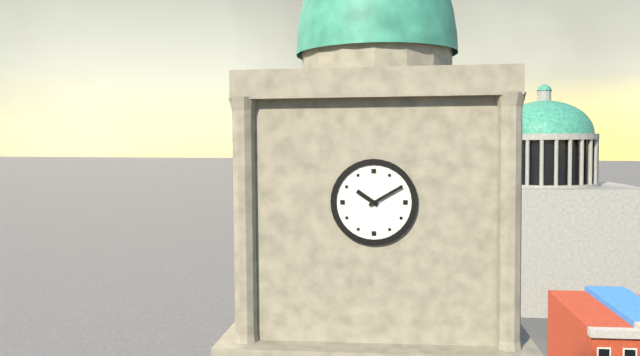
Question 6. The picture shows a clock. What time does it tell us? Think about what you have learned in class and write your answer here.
10:10
